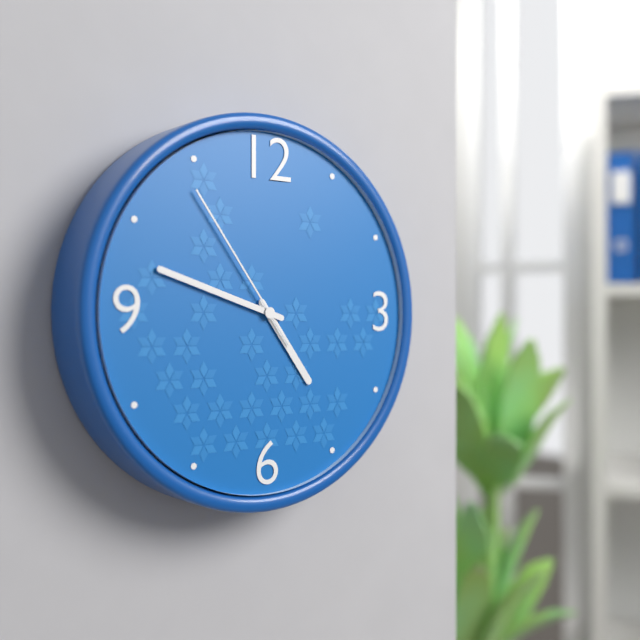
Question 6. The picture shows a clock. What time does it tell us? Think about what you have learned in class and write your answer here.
4:48:54
